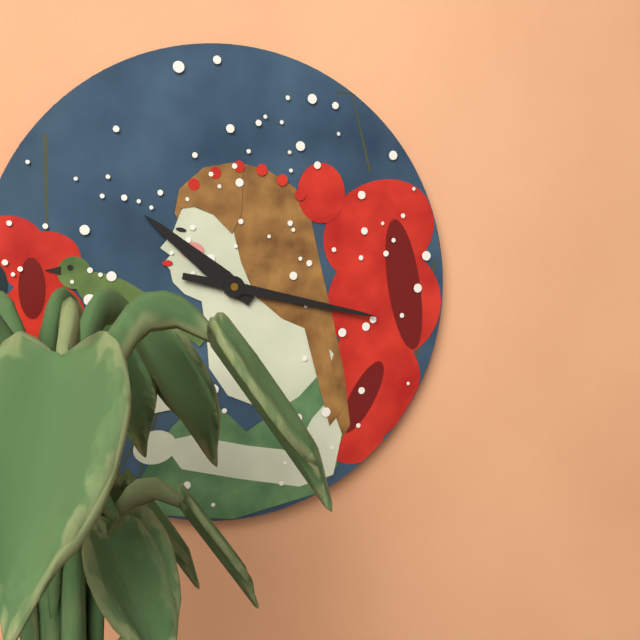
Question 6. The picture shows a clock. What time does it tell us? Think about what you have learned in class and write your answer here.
10:17
